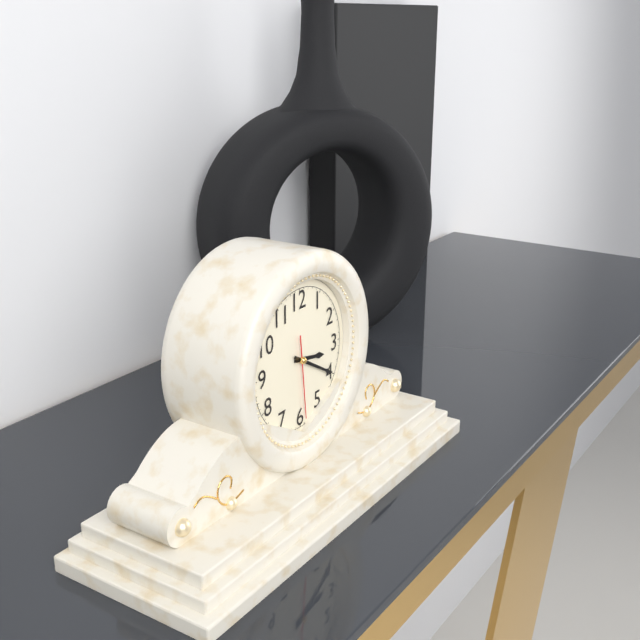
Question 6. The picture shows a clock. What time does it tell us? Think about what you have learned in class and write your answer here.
3:20:29
